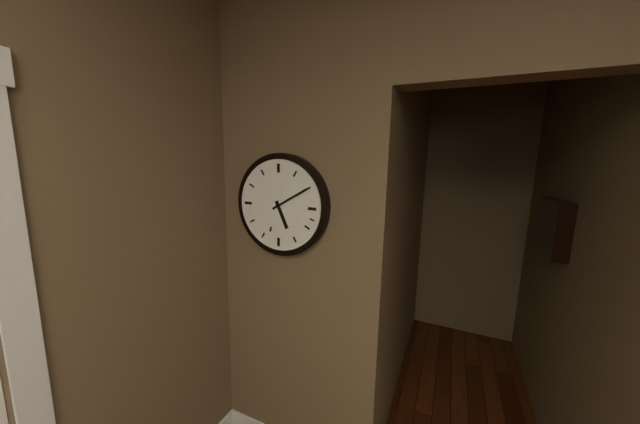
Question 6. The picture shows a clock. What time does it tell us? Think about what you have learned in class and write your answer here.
5:10
